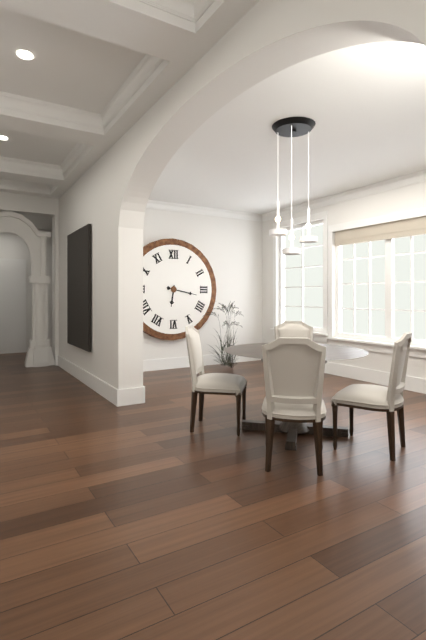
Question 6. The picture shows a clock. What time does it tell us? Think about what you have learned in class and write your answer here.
6:17
